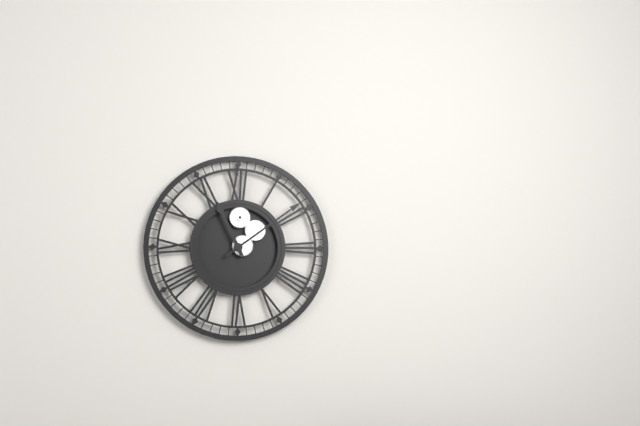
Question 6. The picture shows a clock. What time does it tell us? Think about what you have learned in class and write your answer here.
11:09
